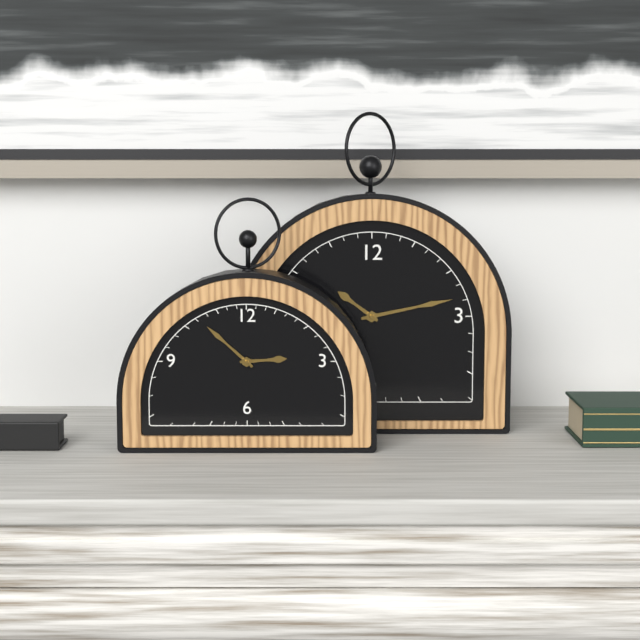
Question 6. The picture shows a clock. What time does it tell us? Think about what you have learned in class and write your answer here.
2:52
